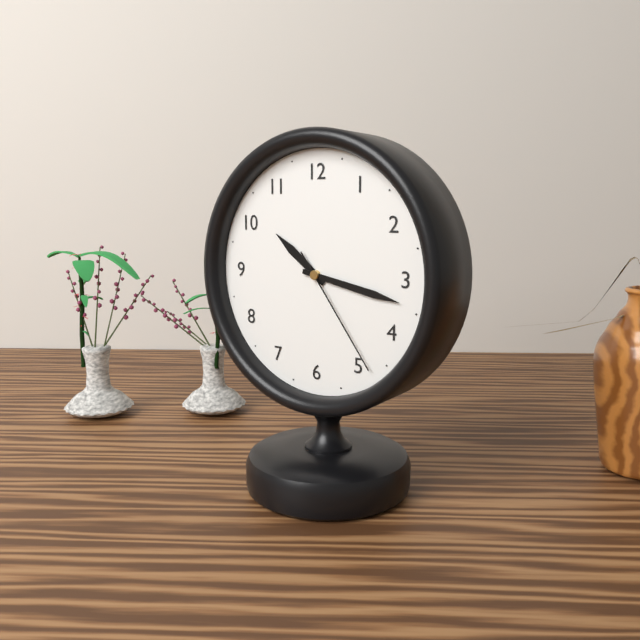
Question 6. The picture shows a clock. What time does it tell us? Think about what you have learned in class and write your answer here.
10:17:24
